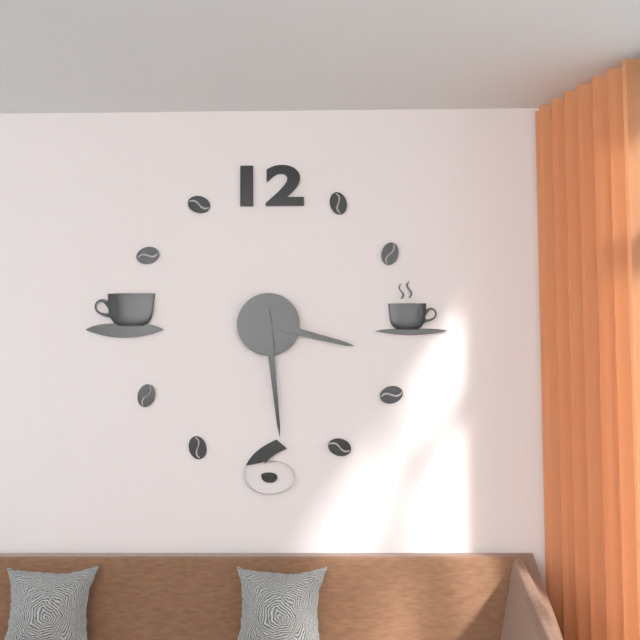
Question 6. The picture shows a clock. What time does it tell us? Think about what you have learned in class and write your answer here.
3:29
